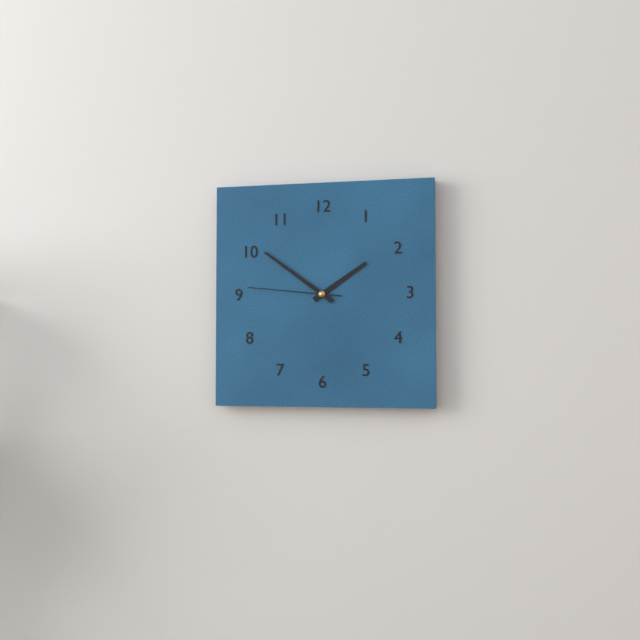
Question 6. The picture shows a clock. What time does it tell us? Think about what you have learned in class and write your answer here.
1:51:46
